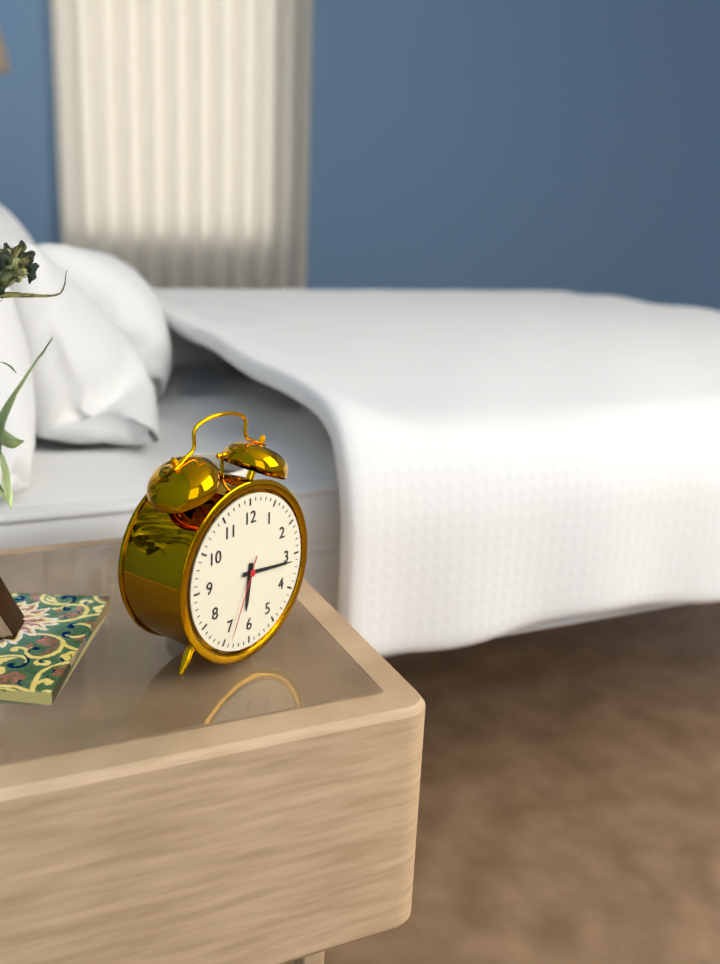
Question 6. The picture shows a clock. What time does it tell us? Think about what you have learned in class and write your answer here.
6:16:34
